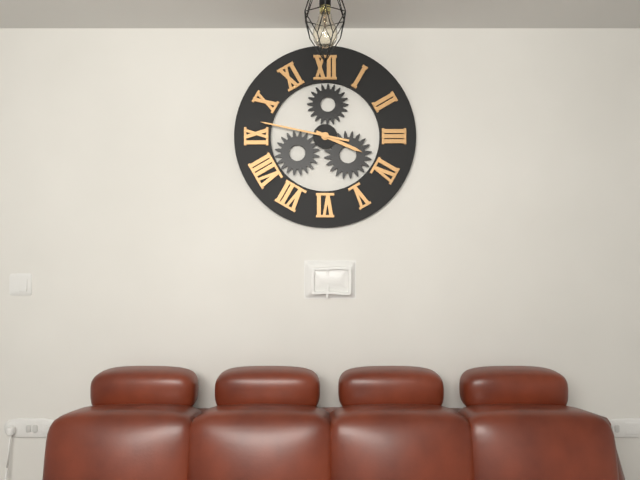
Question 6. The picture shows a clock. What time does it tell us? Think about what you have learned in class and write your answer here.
3:47
